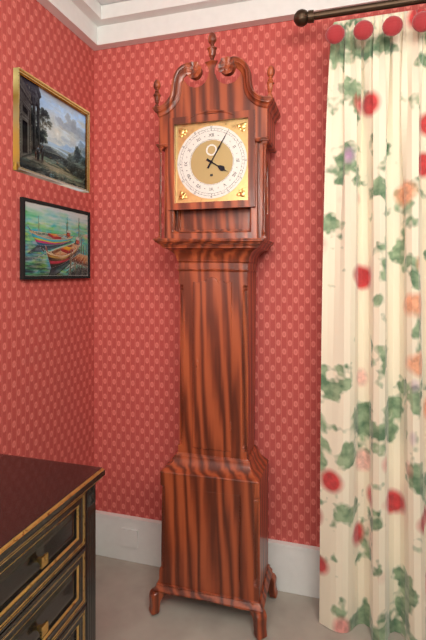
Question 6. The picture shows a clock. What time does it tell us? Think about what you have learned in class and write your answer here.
4:05
